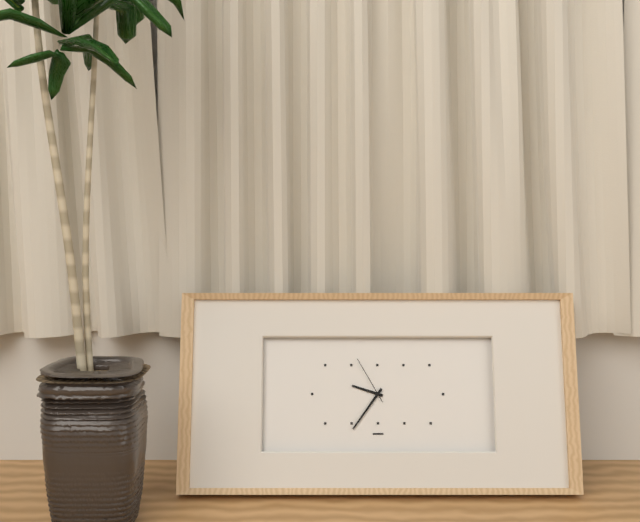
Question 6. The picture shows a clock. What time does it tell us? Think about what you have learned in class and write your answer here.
9:36:55
